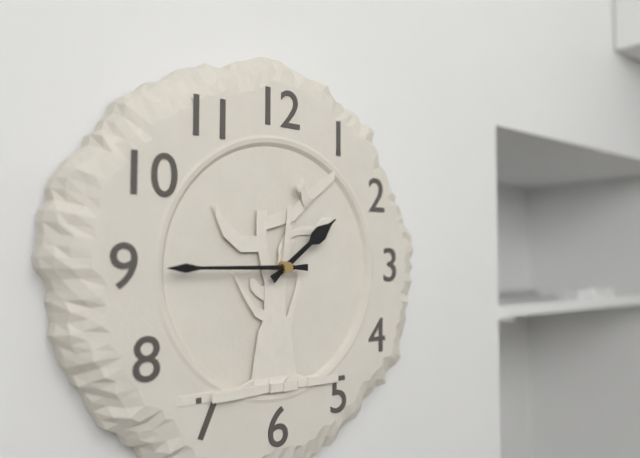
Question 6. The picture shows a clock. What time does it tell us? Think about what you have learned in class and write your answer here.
1:45
